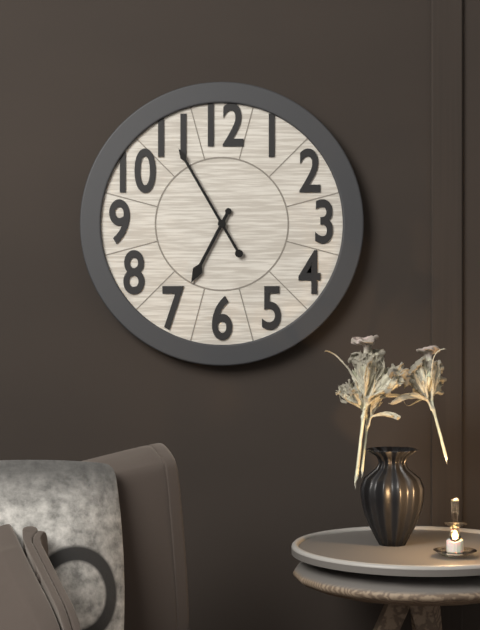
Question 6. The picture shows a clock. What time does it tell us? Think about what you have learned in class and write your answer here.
6:55
